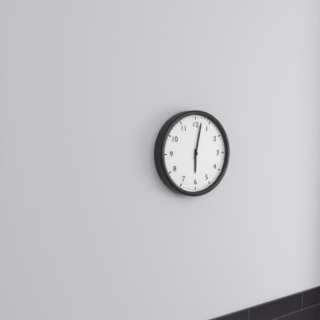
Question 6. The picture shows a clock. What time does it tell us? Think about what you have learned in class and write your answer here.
6:02
